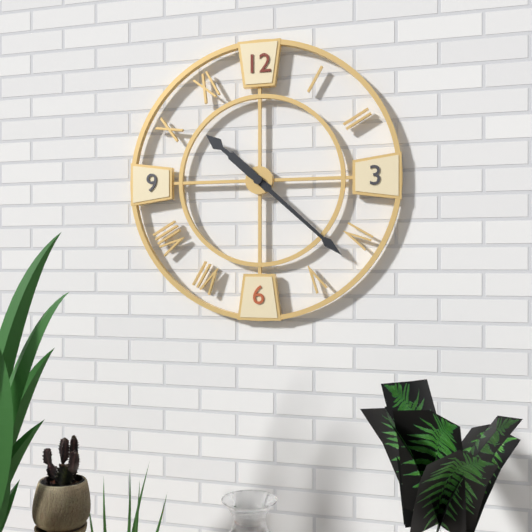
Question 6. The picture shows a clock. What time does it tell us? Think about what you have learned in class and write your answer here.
10:22
